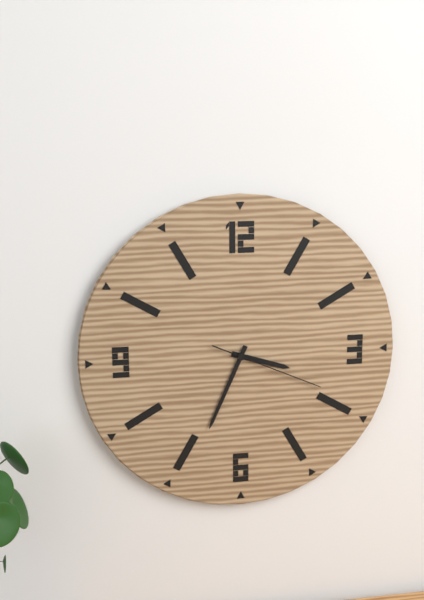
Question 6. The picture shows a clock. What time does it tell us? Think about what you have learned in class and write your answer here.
3:34:19
